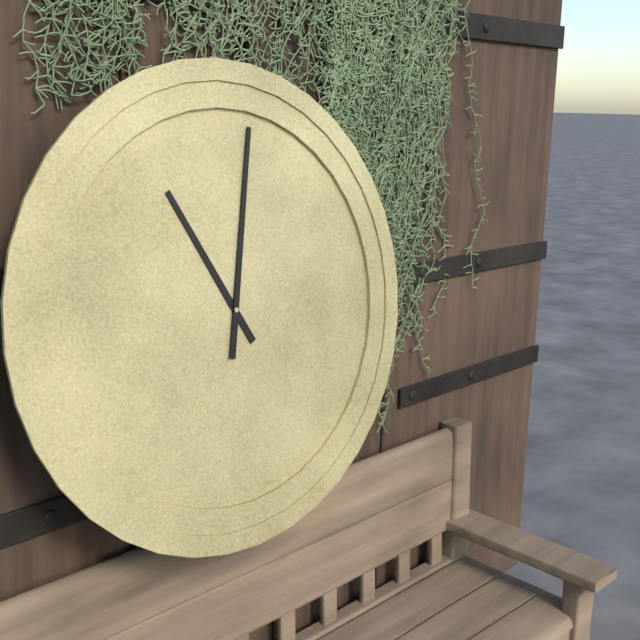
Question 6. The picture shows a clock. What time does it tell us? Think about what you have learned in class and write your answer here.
11:02
